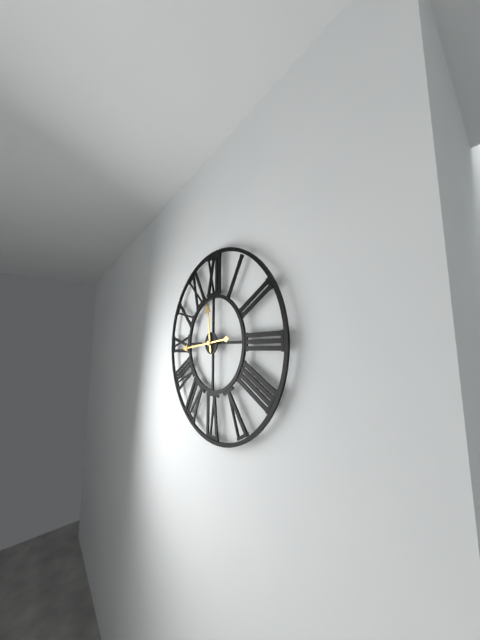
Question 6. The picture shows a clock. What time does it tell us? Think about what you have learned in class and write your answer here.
11:44
